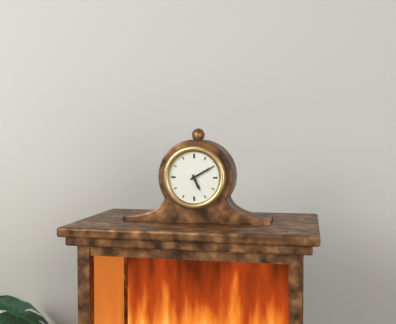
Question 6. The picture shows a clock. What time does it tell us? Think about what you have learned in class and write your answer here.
5:10
